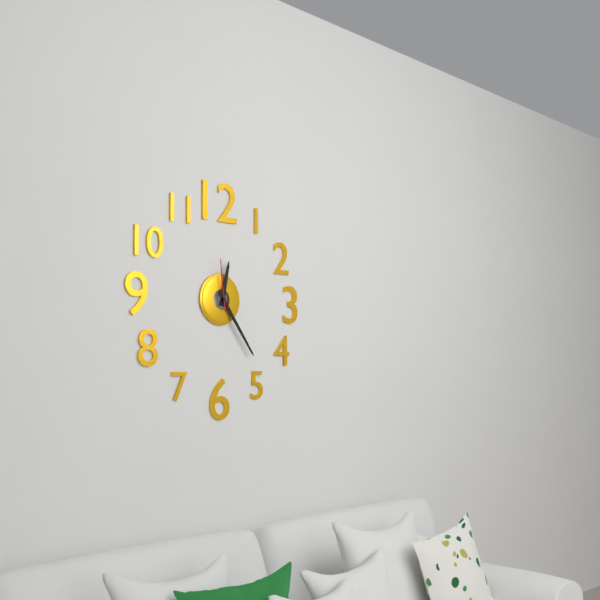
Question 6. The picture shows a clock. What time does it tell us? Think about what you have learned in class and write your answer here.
12:24:59
